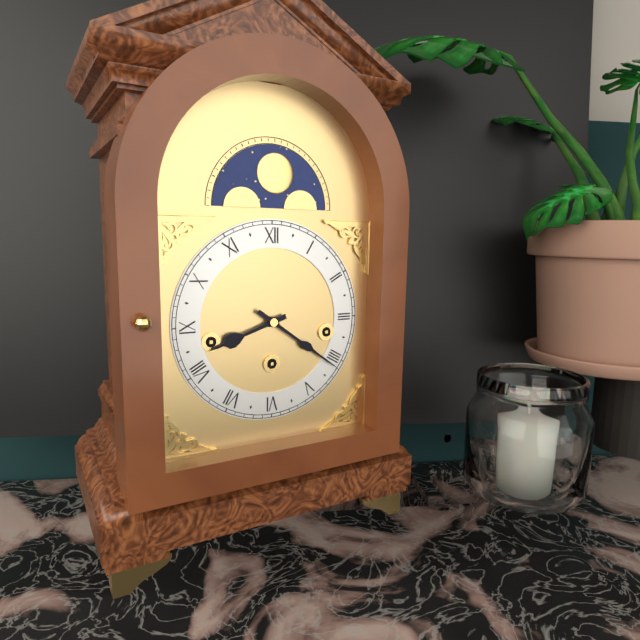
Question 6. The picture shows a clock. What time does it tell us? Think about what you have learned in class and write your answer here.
8:21
